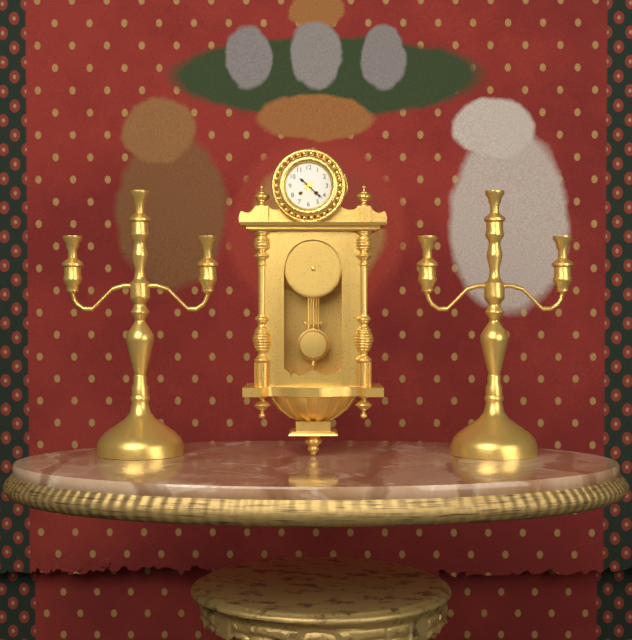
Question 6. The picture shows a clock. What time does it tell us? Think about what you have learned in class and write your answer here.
10:22
